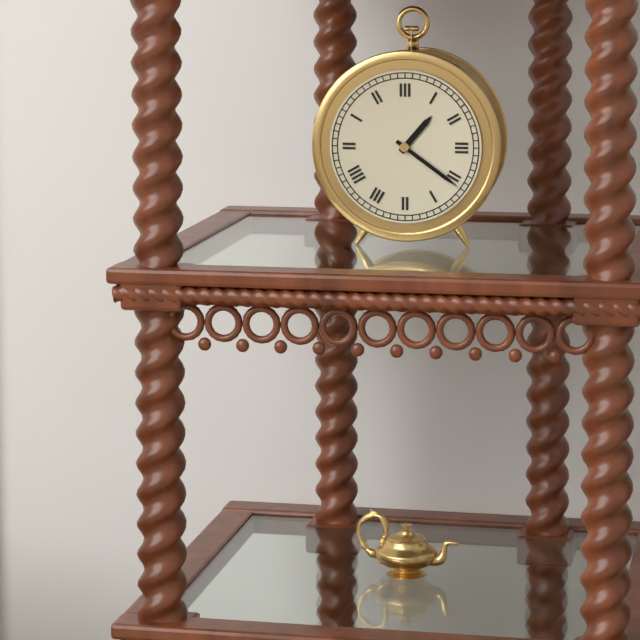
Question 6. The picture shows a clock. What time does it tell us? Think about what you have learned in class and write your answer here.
1:21
